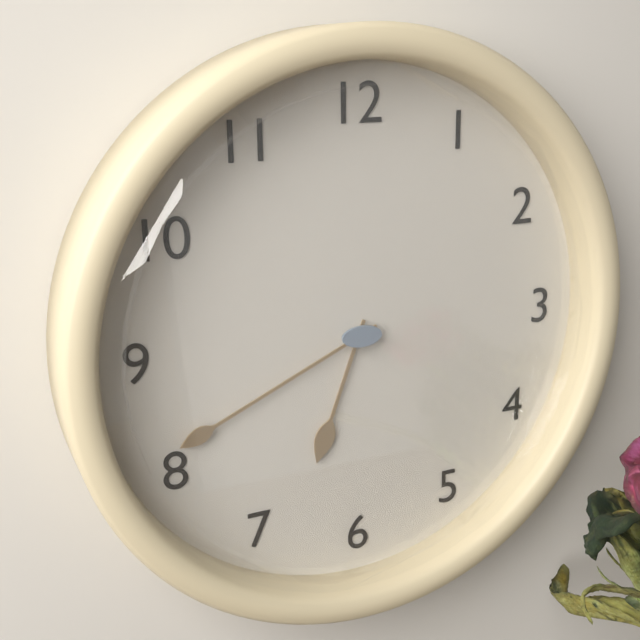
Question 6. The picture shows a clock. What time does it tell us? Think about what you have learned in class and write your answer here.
6:41
